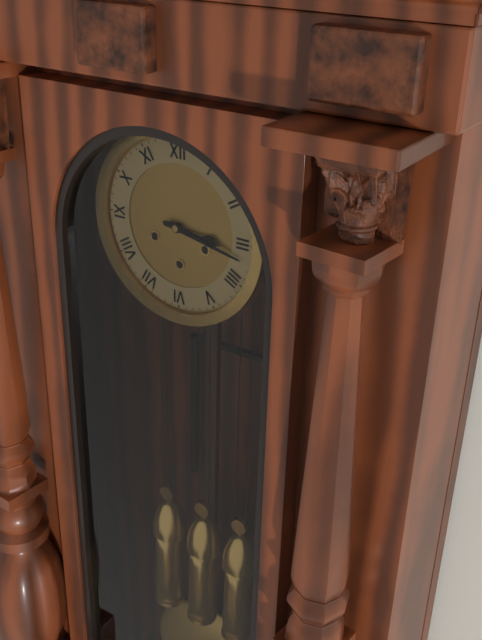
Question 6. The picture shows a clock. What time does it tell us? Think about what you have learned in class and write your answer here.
3:17
